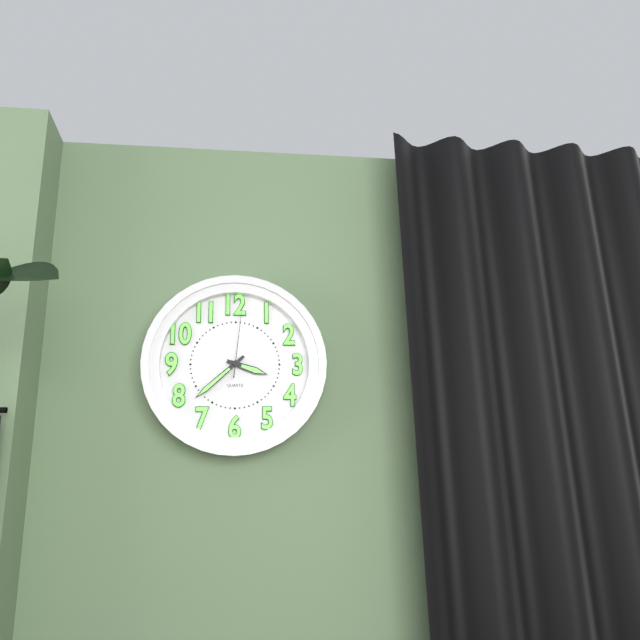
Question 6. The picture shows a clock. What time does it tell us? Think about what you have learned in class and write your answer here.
3:38:01
